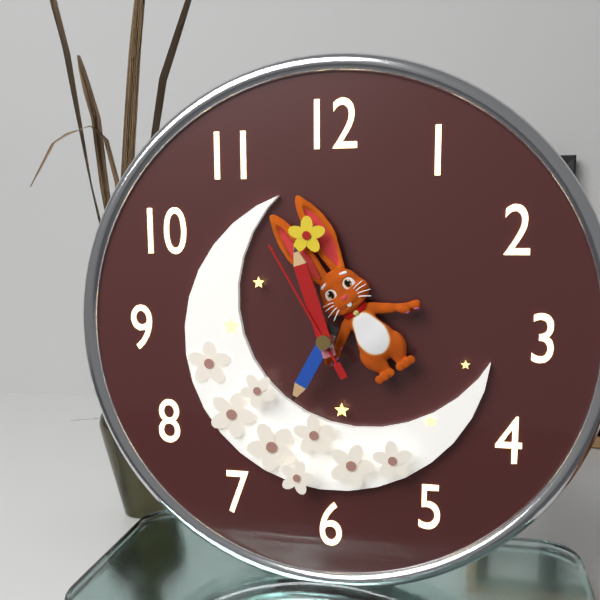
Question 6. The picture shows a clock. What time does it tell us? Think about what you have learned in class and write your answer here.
6:57:55
